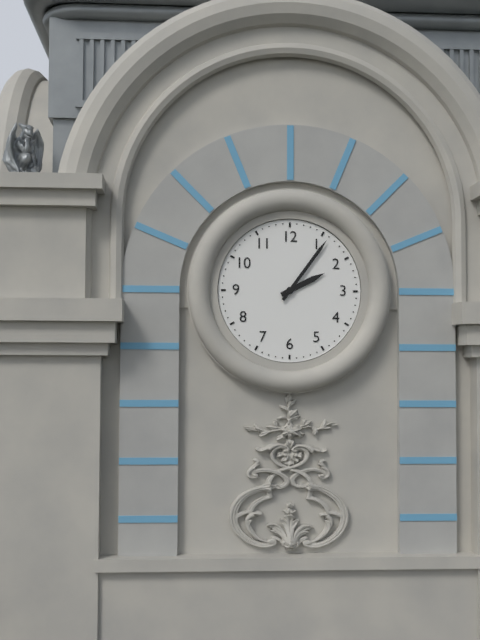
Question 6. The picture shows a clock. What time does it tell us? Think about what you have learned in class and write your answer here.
2:06
